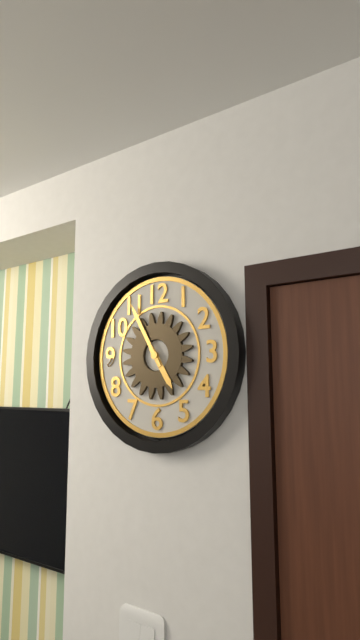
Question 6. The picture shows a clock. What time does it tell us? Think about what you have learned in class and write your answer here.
4:55
